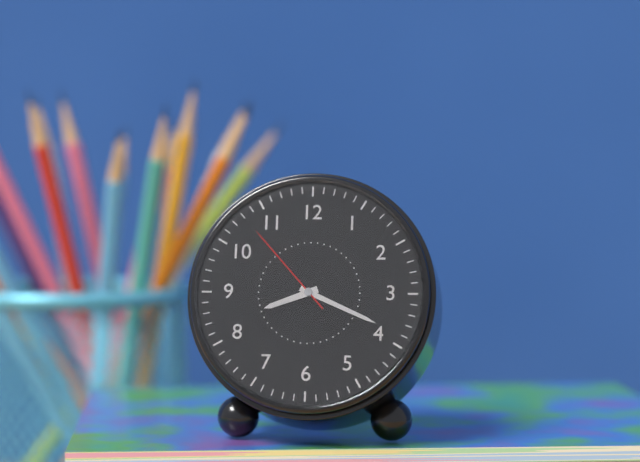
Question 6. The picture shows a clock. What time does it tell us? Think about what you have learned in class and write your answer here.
8:19:53
